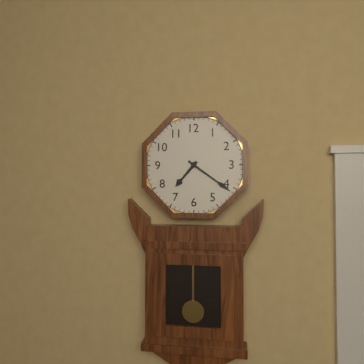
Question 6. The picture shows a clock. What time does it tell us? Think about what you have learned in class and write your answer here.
7:21
